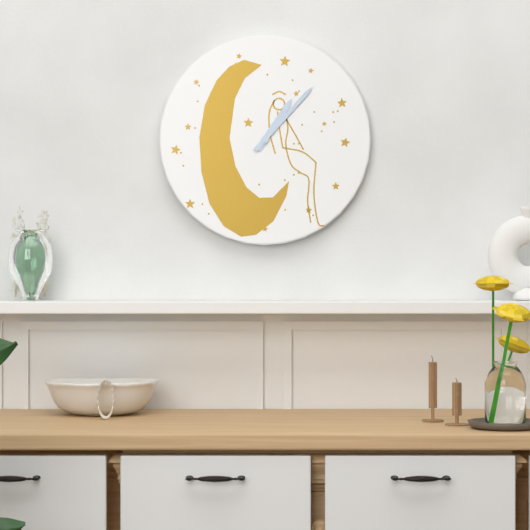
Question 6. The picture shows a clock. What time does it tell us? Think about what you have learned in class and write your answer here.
1:07
